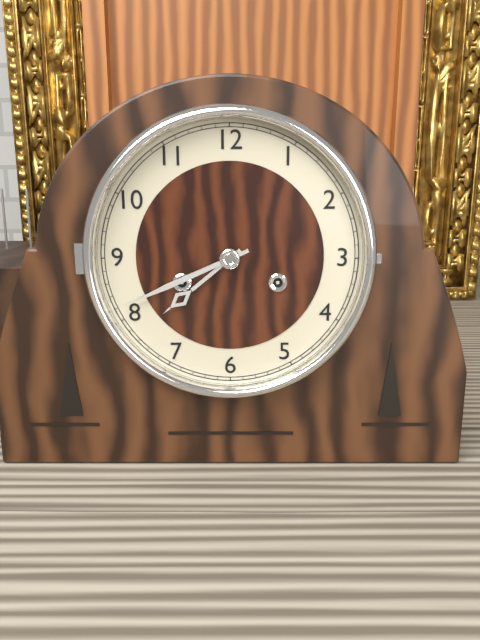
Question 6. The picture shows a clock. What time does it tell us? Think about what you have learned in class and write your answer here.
7:41
